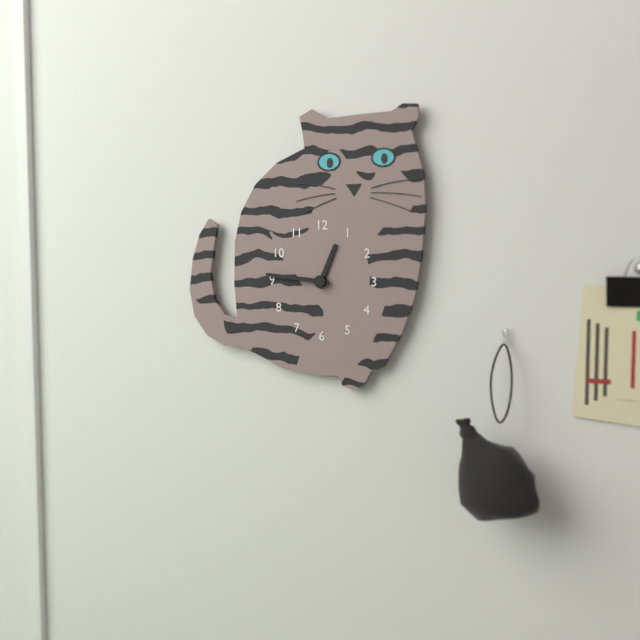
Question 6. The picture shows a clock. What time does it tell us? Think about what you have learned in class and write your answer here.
12:46
